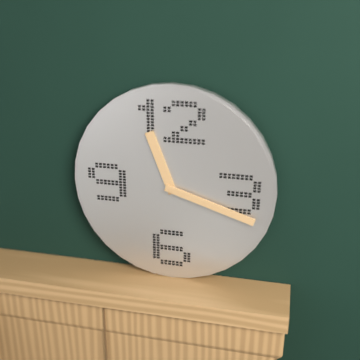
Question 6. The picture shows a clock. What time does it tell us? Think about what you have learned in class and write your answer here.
11:18
